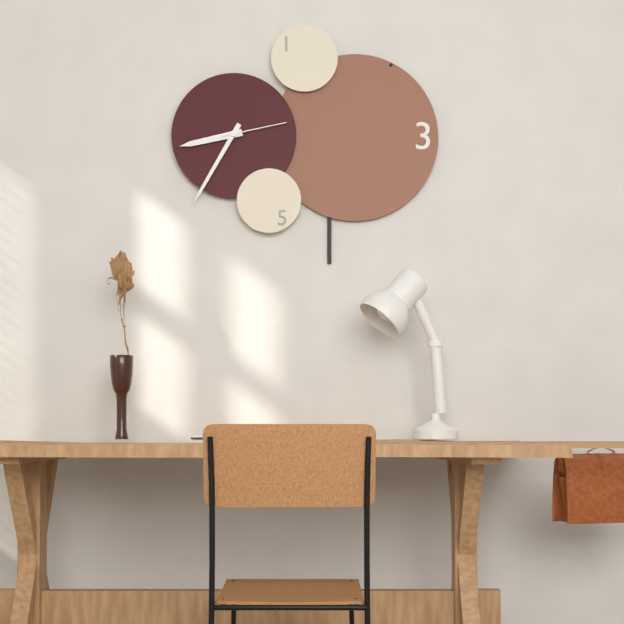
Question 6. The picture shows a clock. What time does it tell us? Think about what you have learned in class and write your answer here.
8:35:13
